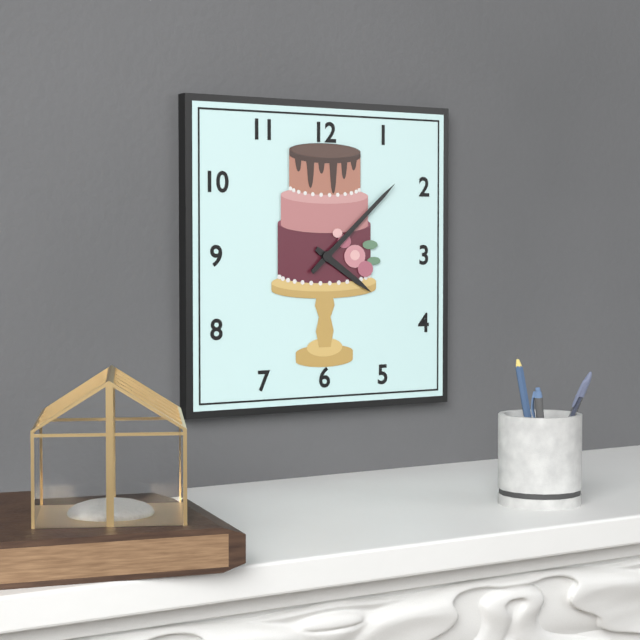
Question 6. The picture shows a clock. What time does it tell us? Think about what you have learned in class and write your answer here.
4:08
